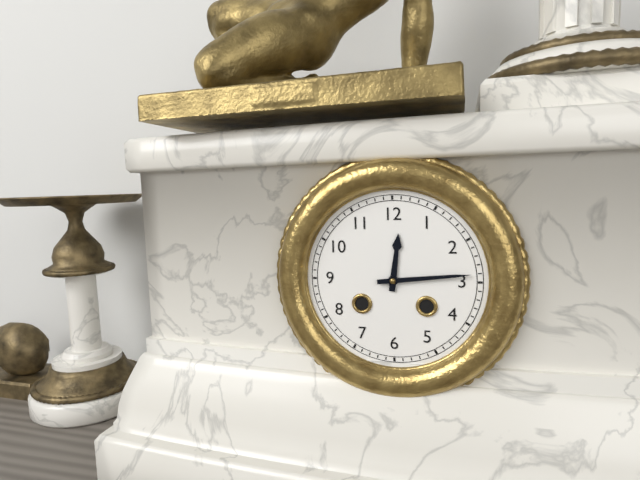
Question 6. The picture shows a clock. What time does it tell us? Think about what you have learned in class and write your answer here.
12:14
